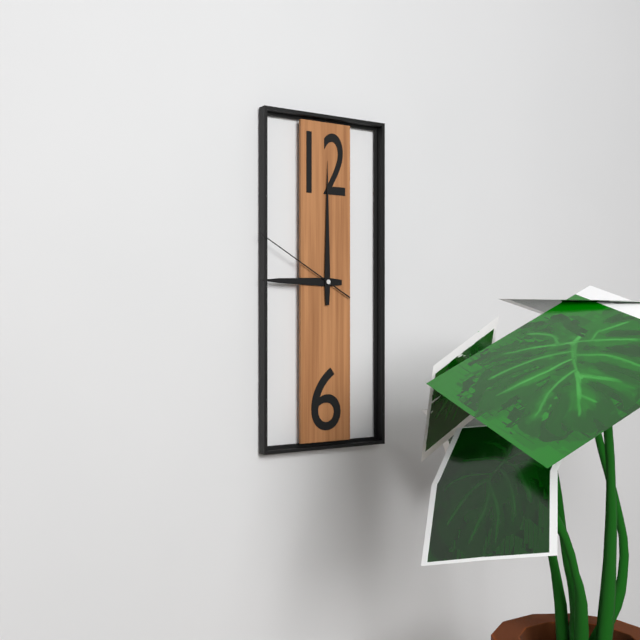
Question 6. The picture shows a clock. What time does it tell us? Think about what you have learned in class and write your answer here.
9:00:50
